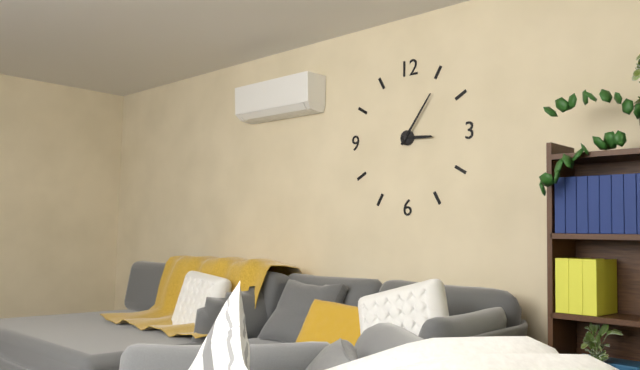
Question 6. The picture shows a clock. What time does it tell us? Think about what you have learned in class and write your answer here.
3:06
